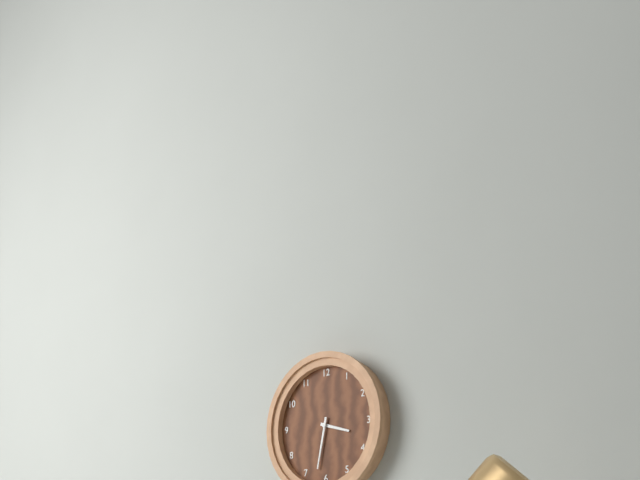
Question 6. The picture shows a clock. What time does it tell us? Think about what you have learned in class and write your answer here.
3:32
